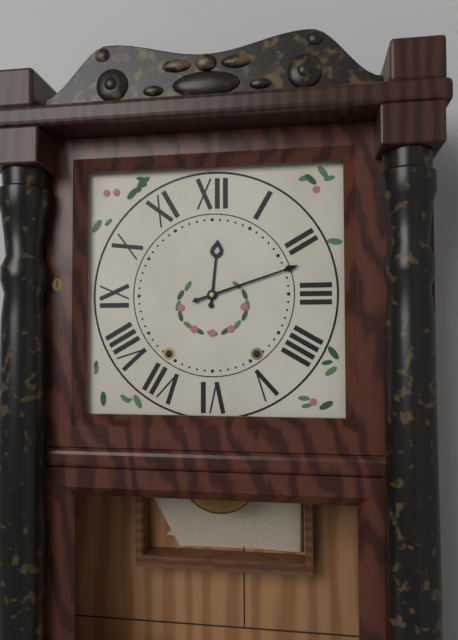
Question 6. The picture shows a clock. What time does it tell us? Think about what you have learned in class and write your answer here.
12:12
